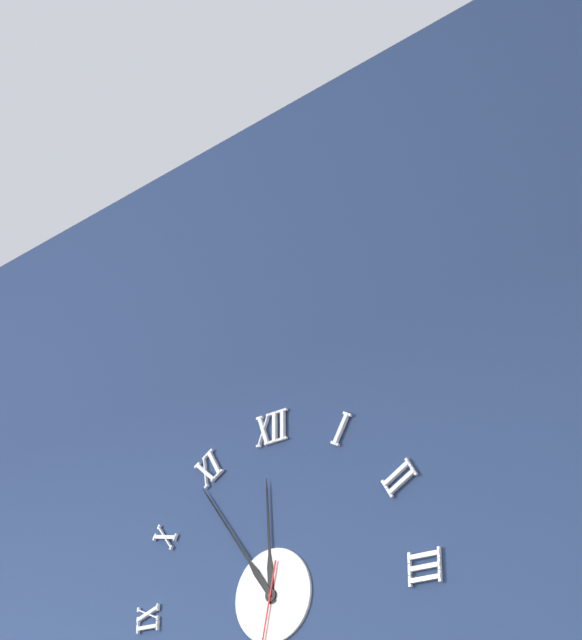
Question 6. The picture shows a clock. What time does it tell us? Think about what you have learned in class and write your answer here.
11:54
